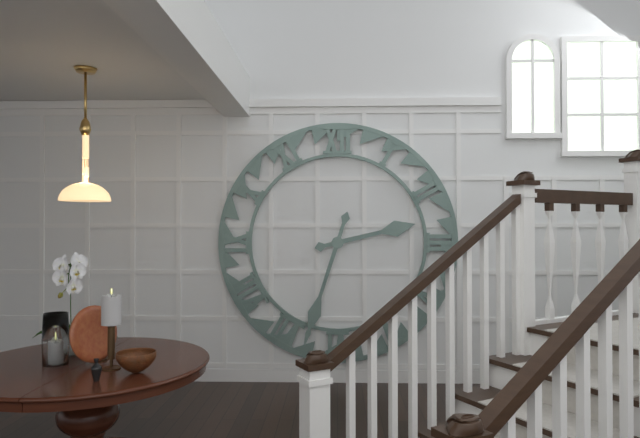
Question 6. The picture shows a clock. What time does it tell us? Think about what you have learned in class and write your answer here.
2:33
